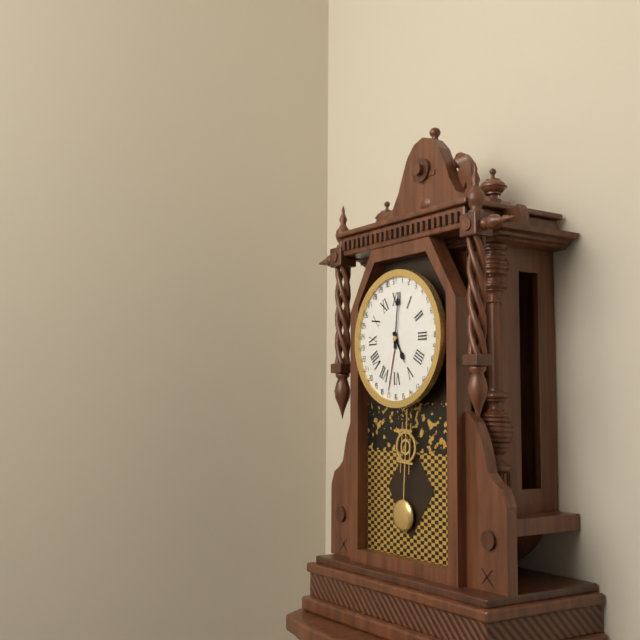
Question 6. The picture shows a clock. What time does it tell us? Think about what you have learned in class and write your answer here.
5:01
